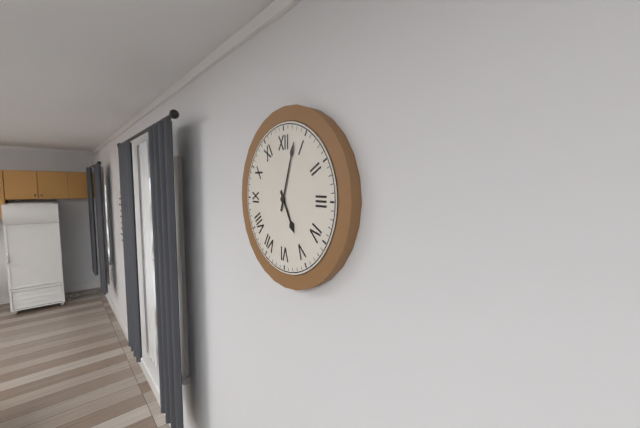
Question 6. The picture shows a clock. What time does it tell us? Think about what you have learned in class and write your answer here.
5:03
